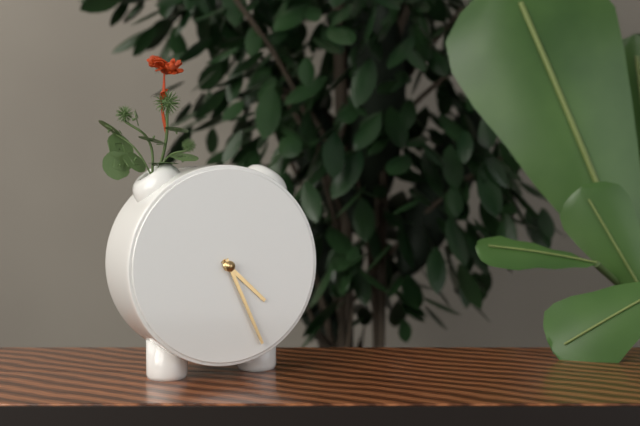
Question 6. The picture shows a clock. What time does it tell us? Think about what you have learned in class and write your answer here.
4:26
